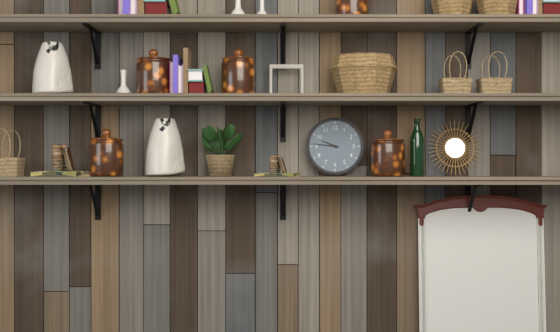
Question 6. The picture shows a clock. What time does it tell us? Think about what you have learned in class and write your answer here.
9:46
